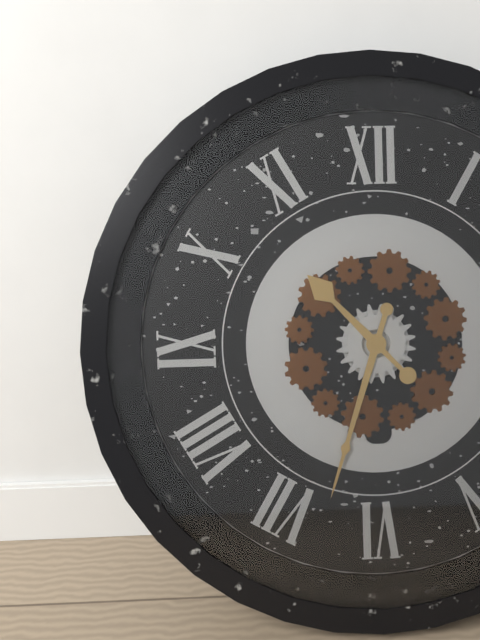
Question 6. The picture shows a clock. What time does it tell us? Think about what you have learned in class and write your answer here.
10:33
